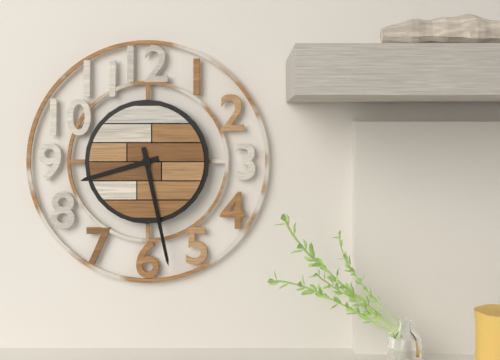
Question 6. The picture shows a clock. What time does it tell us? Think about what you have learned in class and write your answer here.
8:28
